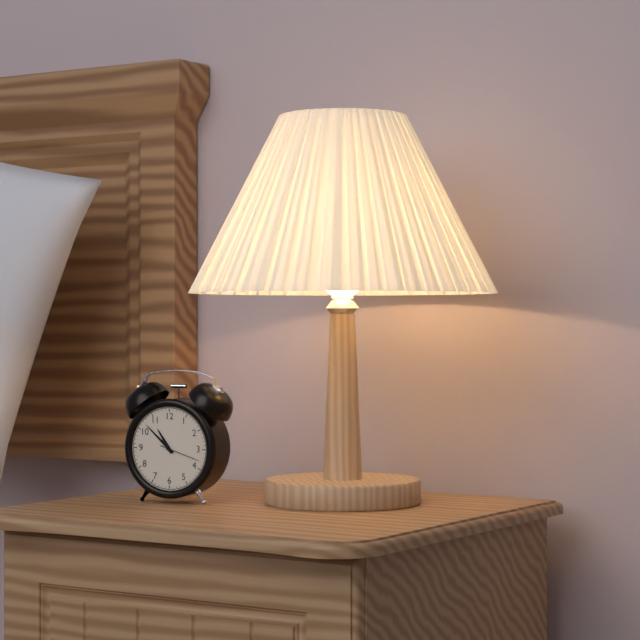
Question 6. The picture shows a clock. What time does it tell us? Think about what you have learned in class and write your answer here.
10:52
